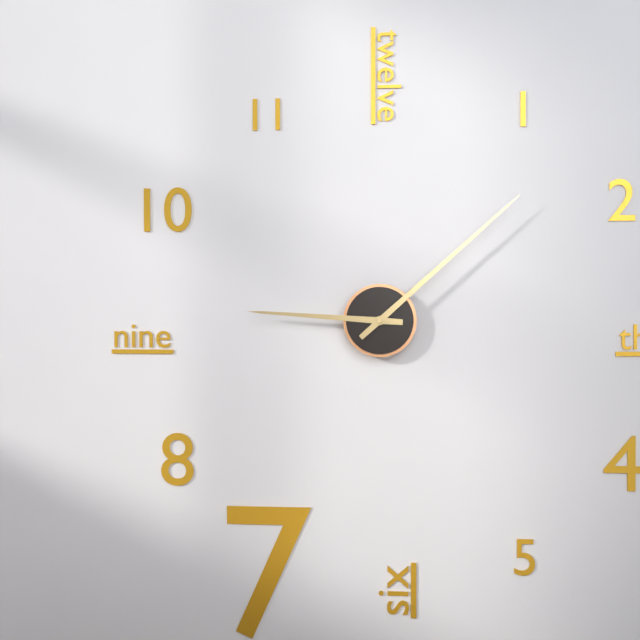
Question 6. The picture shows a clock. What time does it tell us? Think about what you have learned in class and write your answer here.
9:08
